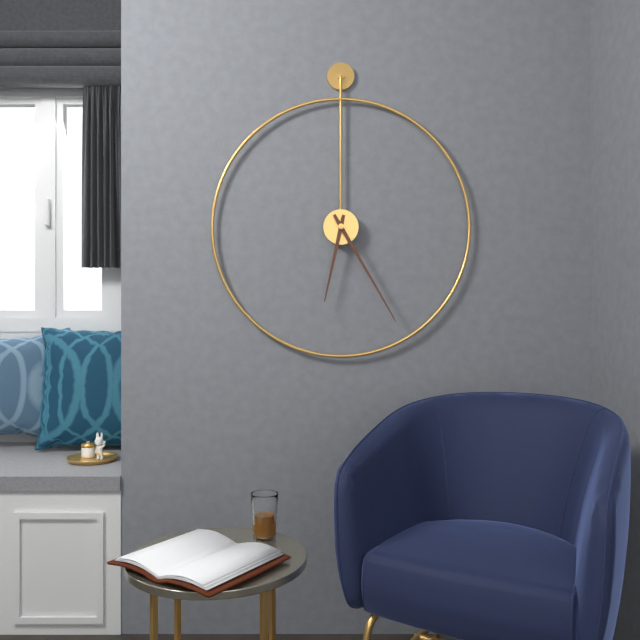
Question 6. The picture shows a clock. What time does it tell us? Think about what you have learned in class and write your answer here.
6:25
